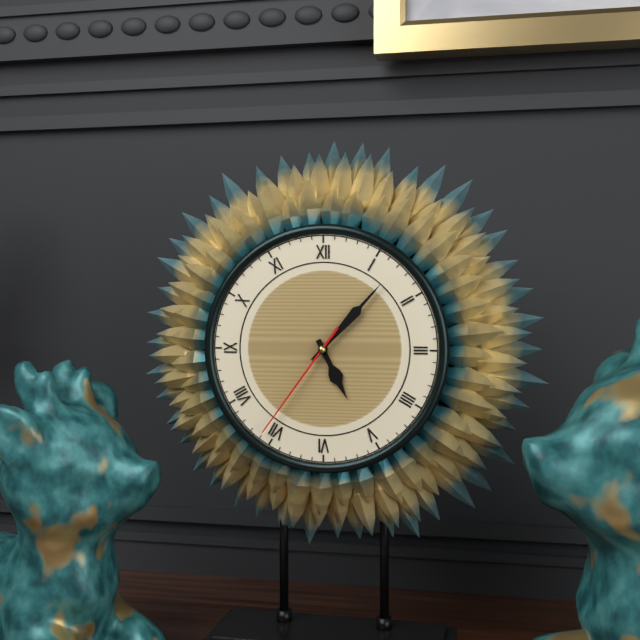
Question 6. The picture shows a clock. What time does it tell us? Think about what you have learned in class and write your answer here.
5:07:36
